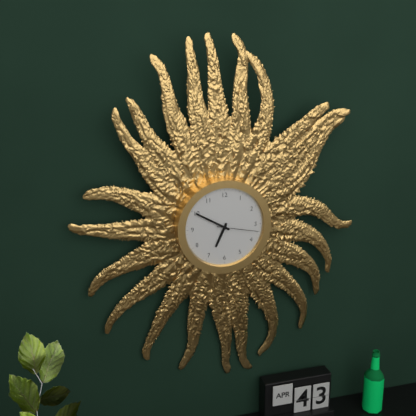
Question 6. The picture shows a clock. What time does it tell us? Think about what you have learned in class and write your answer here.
6:50
